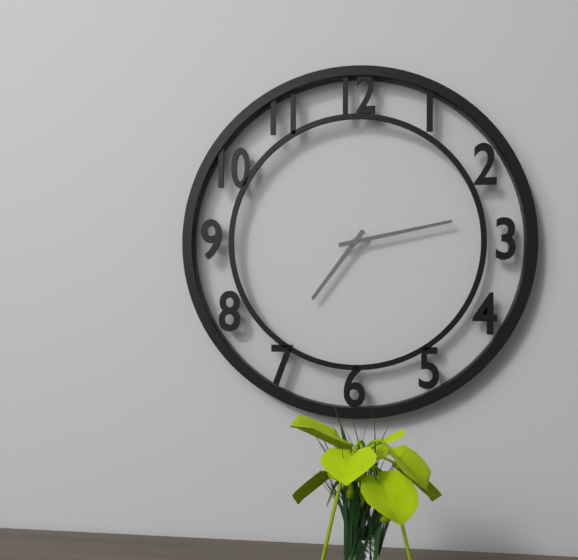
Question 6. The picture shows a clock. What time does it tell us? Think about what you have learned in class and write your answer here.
7:13
